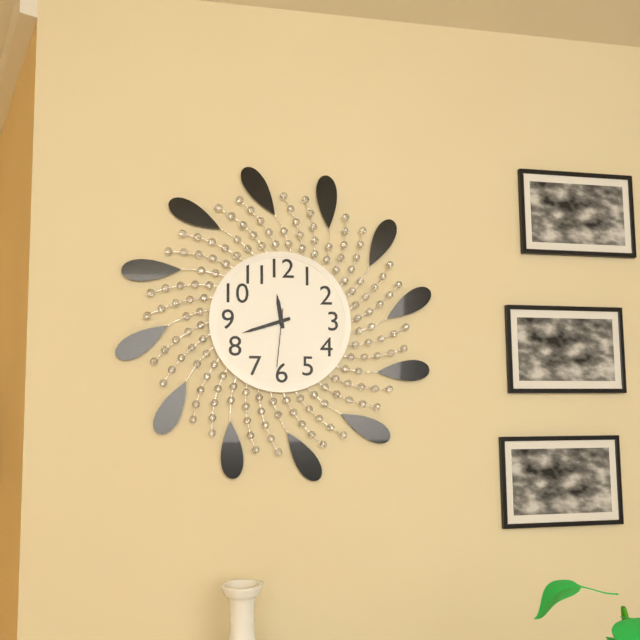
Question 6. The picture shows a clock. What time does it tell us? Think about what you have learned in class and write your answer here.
11:42:31
